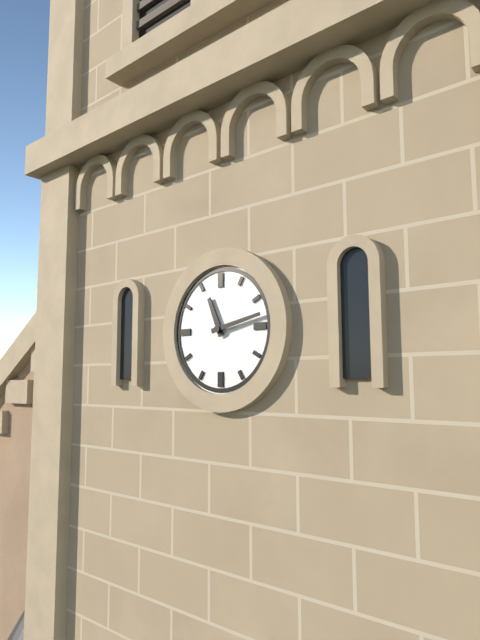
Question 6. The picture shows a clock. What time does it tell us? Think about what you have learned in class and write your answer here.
11:13
